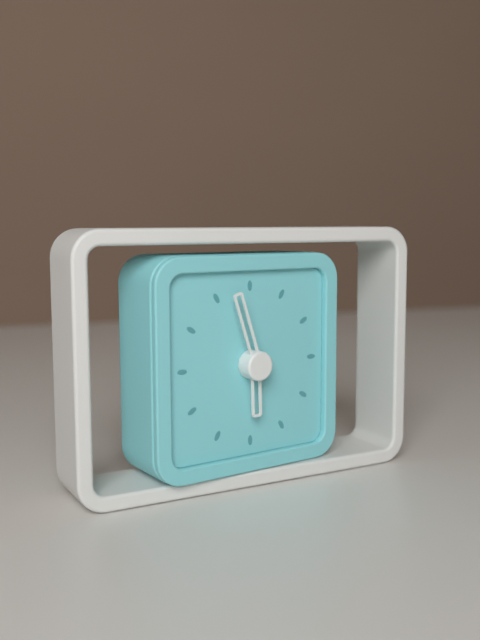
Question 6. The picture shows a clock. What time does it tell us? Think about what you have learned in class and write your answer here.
5:57
